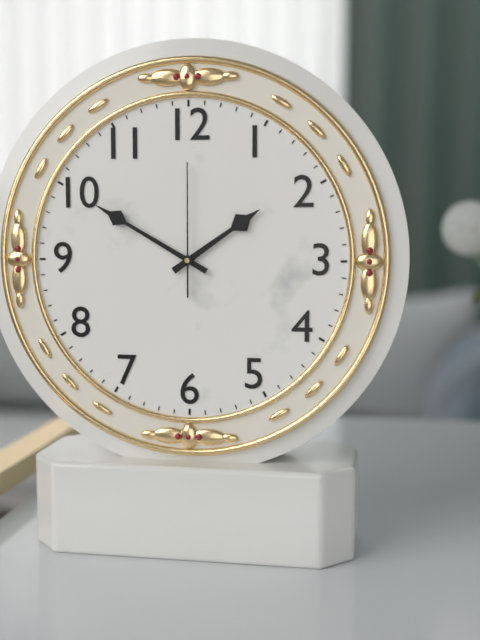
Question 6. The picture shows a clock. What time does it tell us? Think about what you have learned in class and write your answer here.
1:50:00
